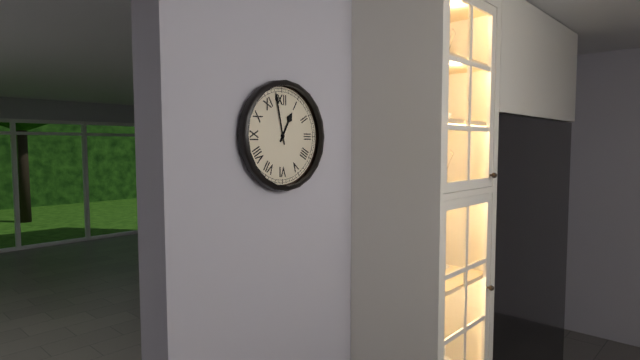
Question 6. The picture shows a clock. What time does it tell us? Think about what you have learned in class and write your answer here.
12:58
